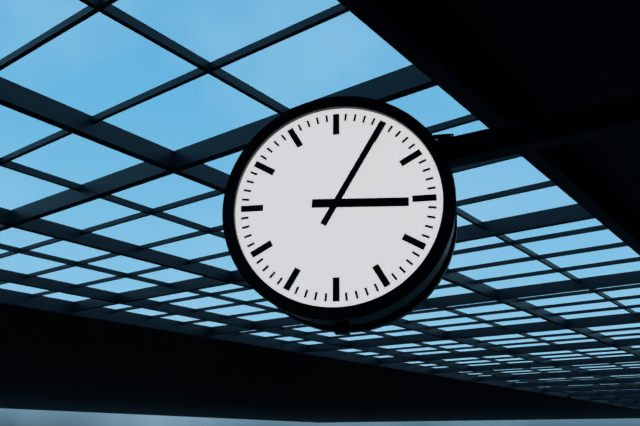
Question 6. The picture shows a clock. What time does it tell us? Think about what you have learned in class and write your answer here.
3:05
